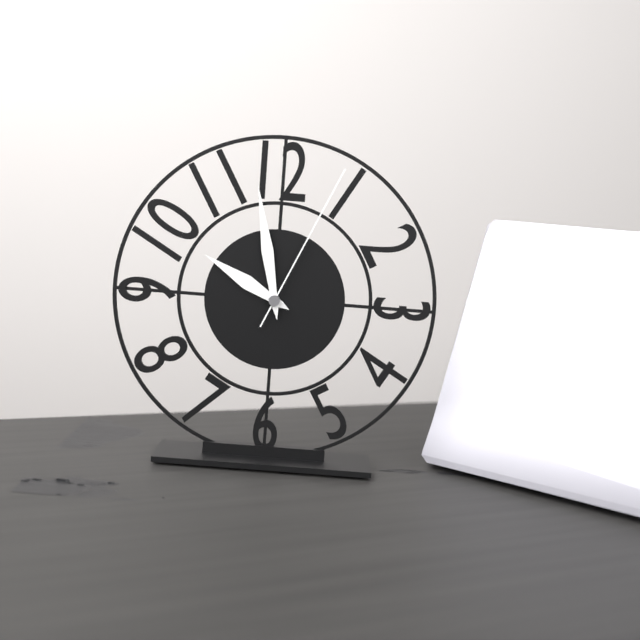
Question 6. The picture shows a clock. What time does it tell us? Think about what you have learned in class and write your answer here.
9:58:04
